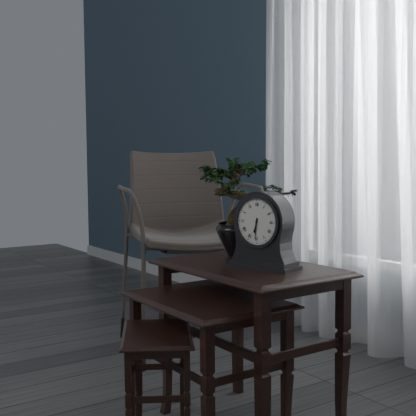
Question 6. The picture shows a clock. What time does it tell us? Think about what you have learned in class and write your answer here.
6:31
